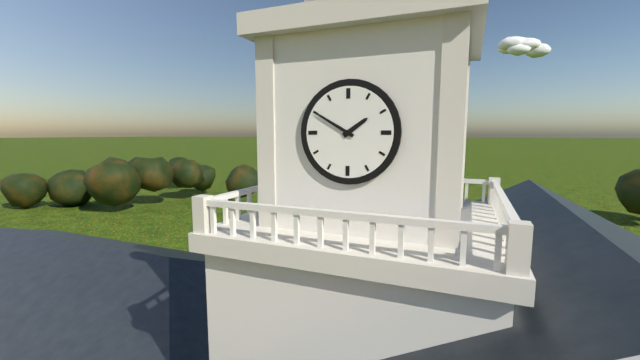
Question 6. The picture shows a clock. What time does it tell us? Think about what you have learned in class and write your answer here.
1:50
